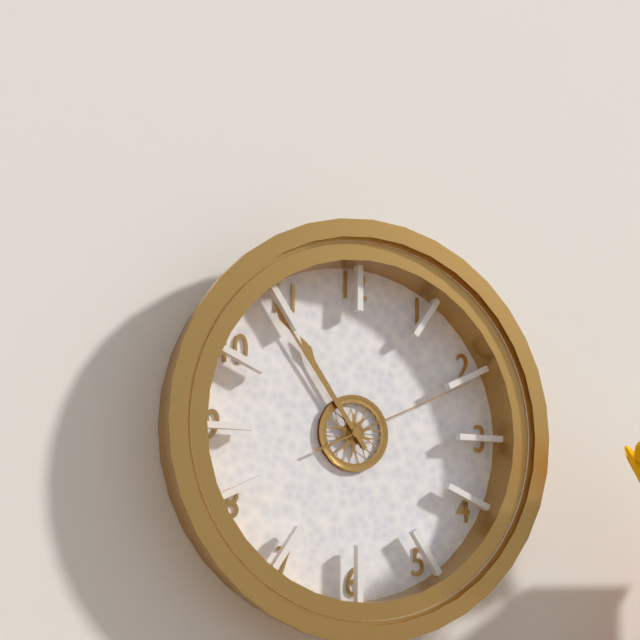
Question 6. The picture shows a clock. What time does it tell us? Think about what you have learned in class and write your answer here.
10:54:11
